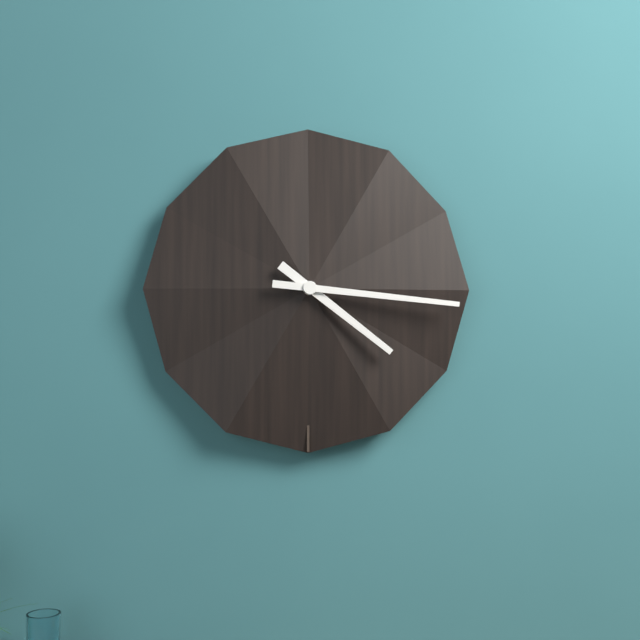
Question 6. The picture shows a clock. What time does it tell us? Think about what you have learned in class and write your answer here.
4:16
